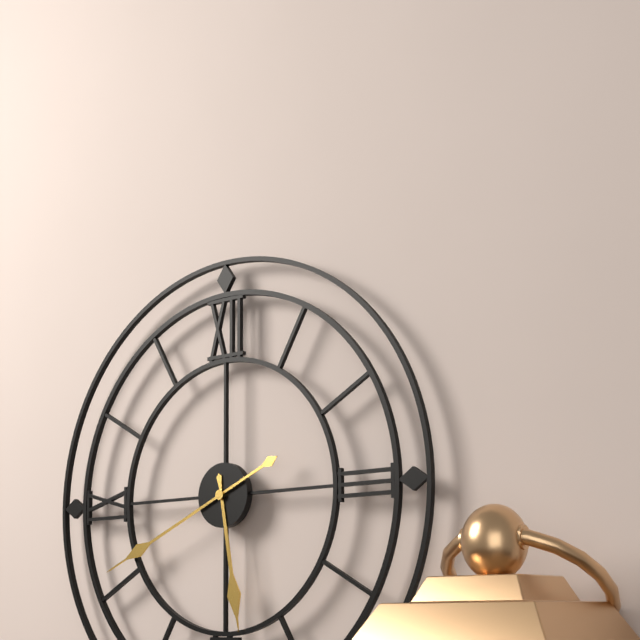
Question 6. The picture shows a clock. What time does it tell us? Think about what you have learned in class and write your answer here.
5:41
